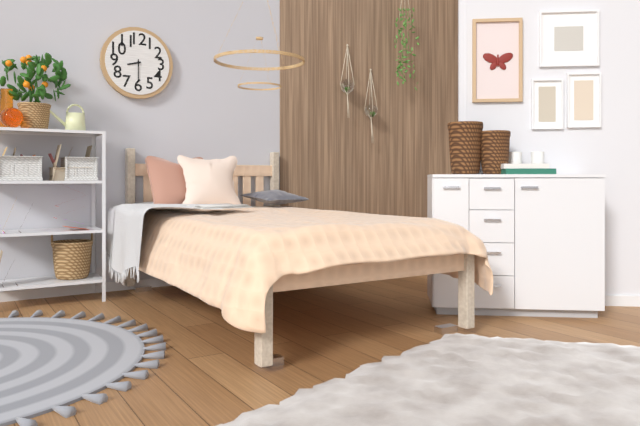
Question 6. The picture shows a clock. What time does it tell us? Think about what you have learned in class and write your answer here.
8:30
